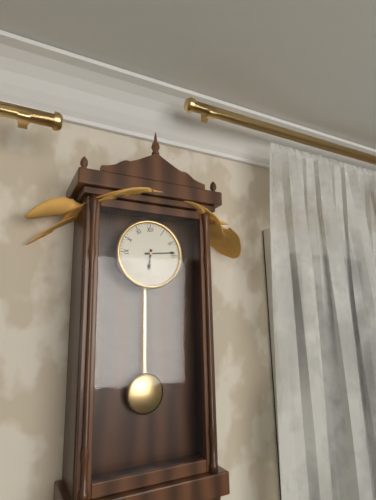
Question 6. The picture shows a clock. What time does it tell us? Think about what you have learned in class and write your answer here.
6:14
